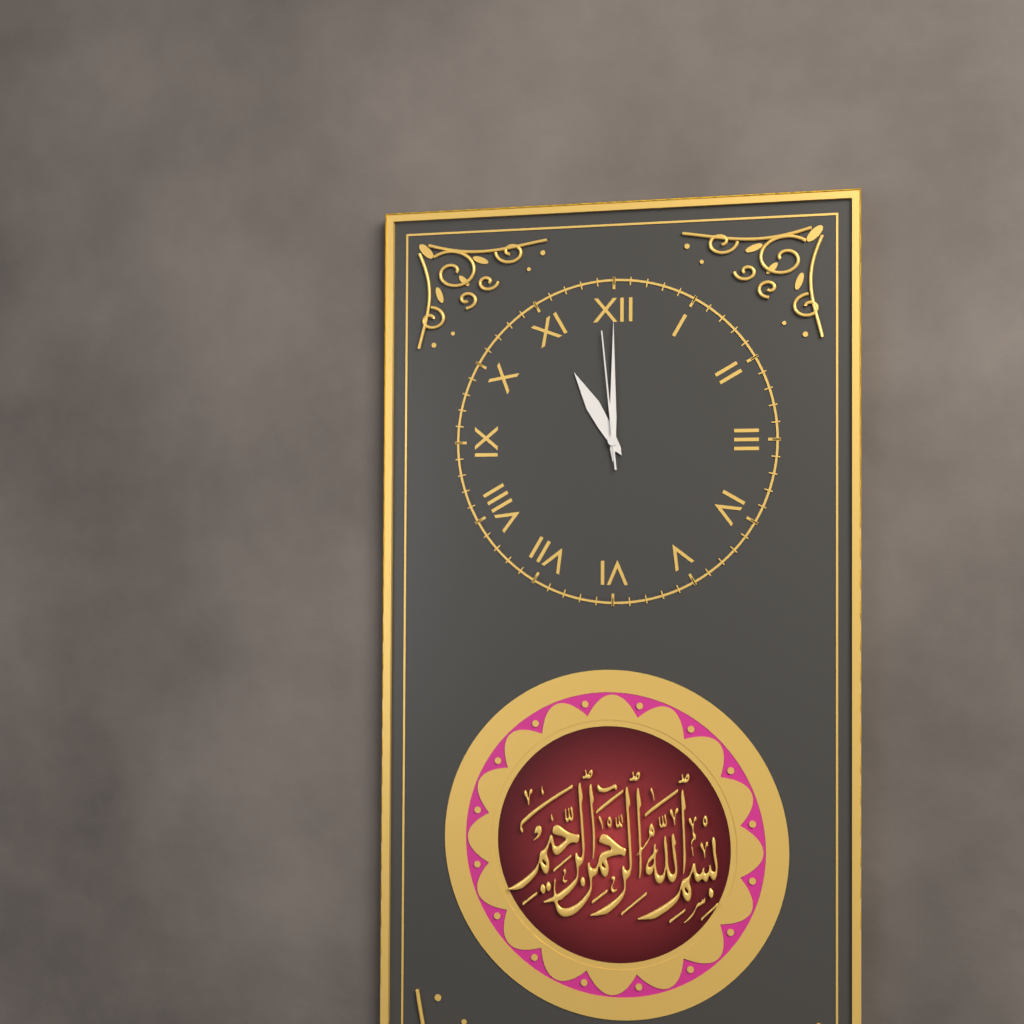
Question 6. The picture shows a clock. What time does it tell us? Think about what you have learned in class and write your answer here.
11:00:59
